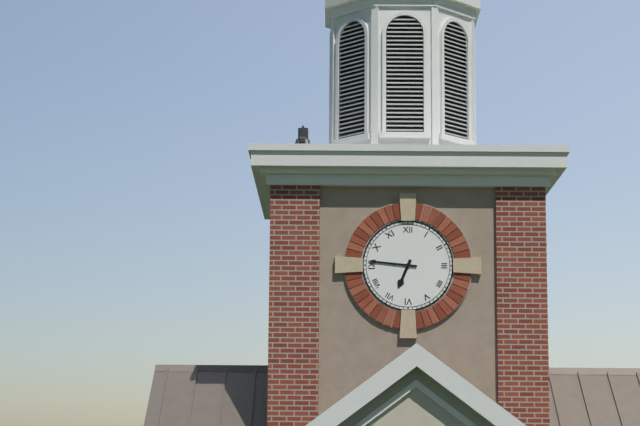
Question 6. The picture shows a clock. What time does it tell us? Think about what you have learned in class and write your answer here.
6:46
